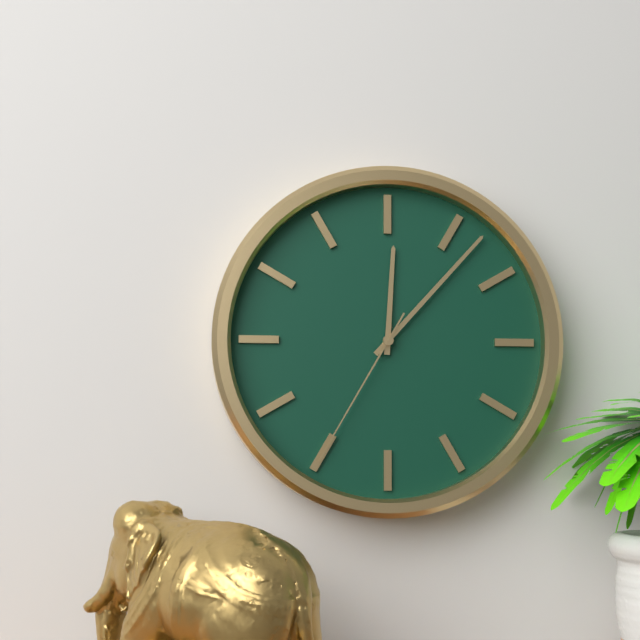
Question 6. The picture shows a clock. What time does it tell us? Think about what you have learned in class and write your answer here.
12:07:35
